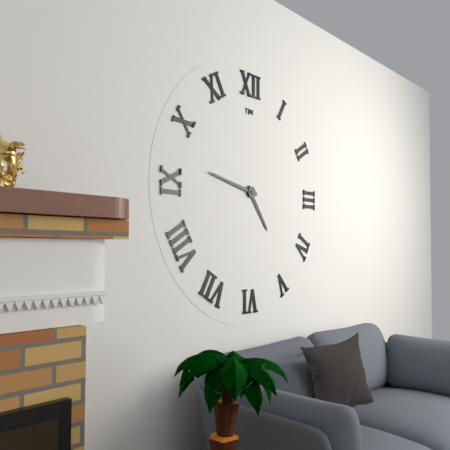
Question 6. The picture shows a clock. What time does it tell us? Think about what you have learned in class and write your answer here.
4:47
